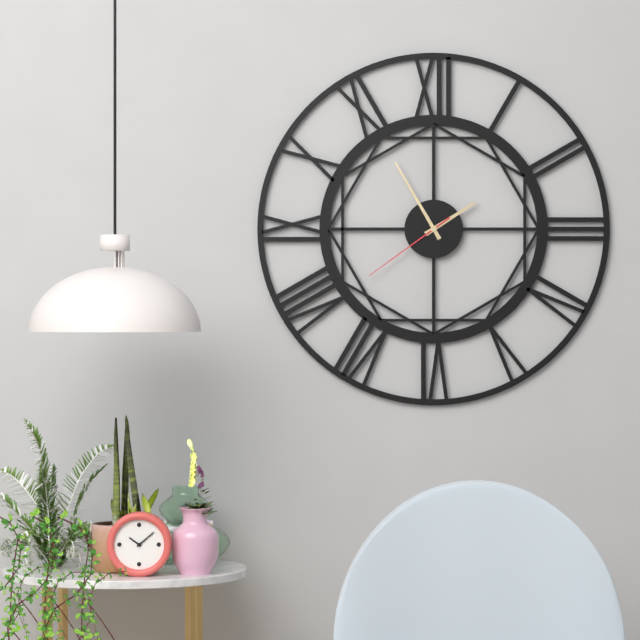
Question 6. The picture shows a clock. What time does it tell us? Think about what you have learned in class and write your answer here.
1:55:39
